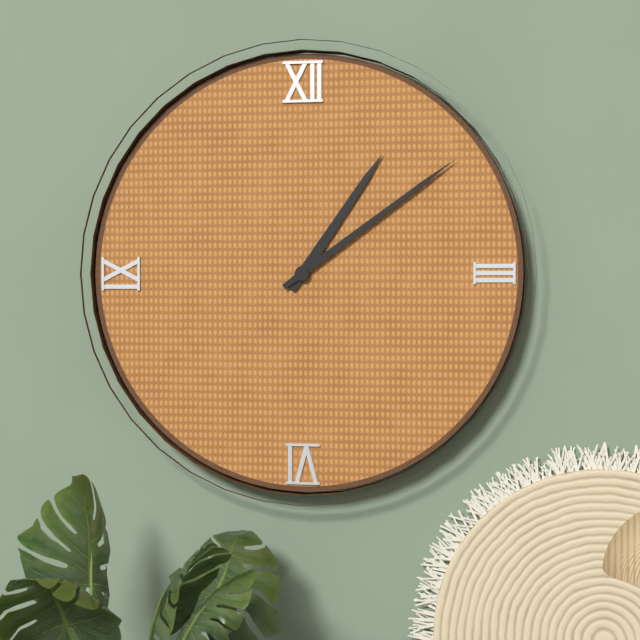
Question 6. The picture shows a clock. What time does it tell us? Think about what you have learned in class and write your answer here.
1:09
